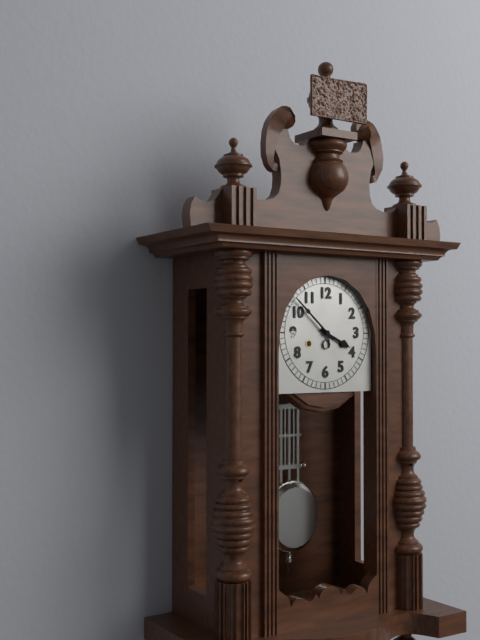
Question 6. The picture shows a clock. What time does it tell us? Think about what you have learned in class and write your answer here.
3:52
